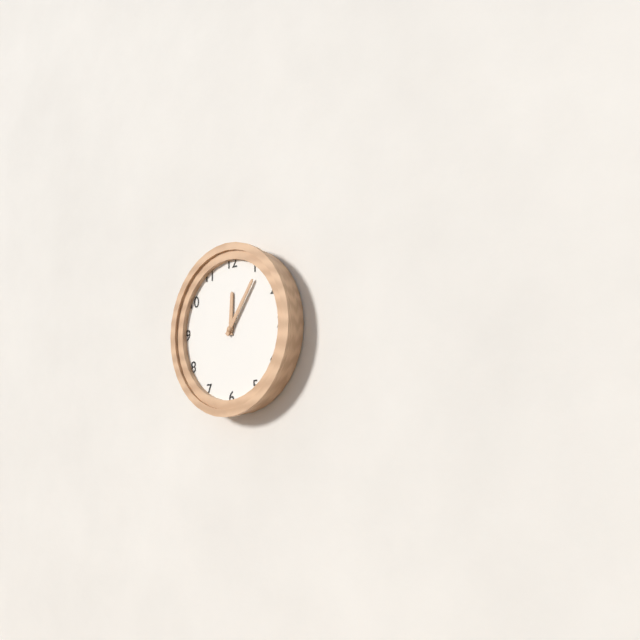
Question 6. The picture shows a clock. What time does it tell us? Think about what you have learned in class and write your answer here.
12:06
